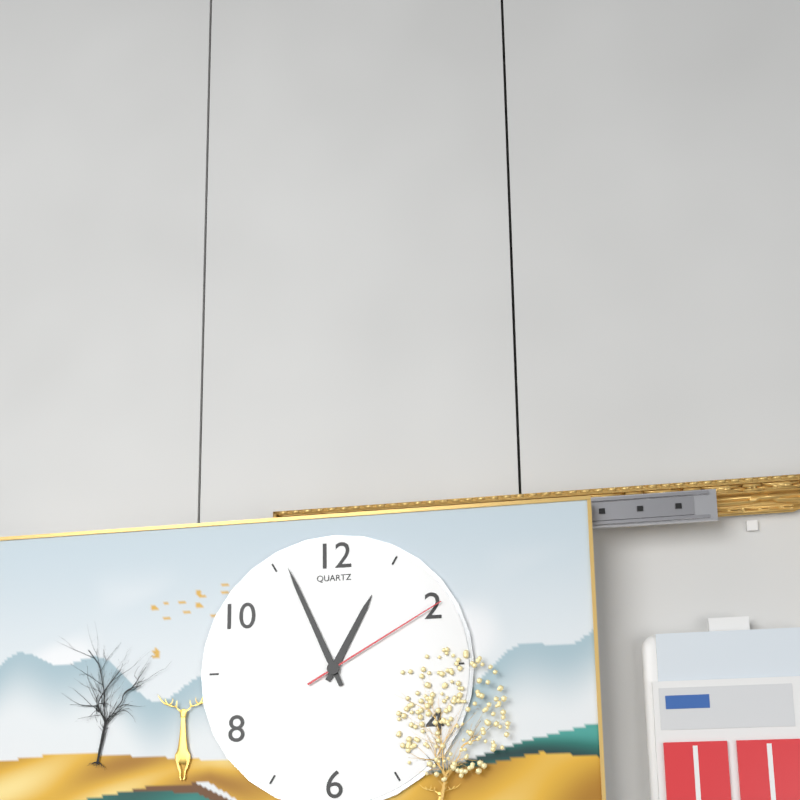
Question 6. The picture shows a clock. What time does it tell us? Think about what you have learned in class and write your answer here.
12:56:10
